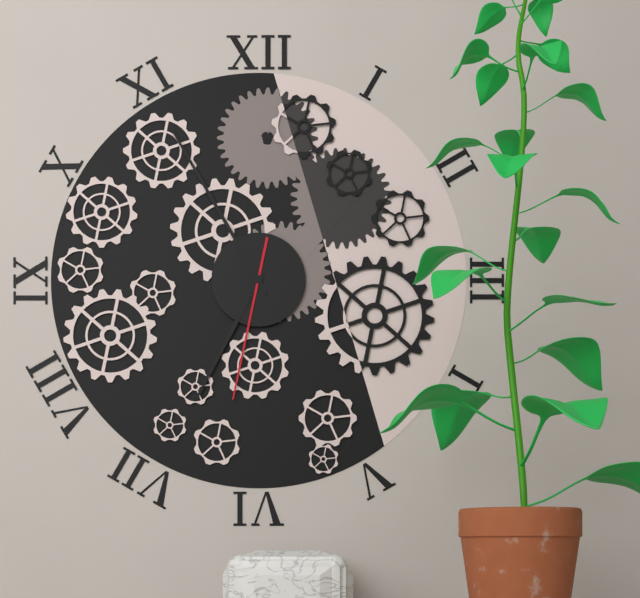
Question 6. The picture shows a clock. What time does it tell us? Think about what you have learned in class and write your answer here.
6:55:32
